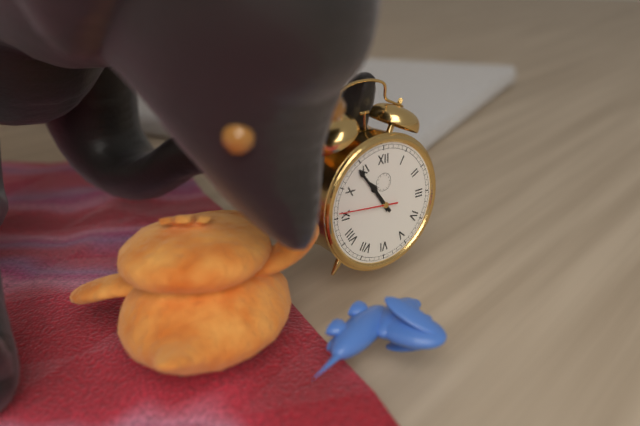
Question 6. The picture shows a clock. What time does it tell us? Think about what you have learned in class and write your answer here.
10:54:46
